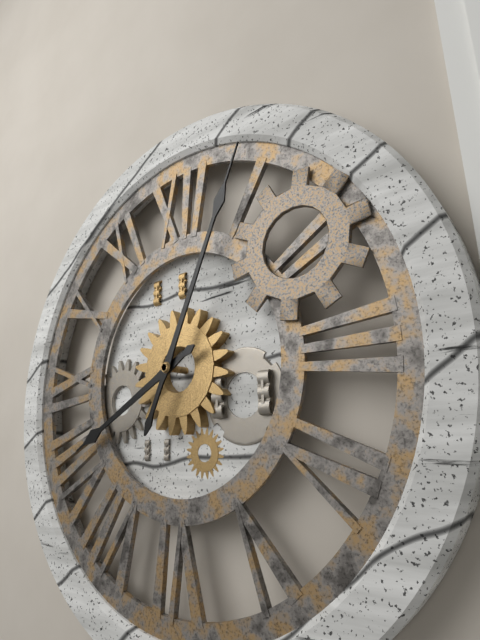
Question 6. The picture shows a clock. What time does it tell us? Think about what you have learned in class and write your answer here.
8:04
